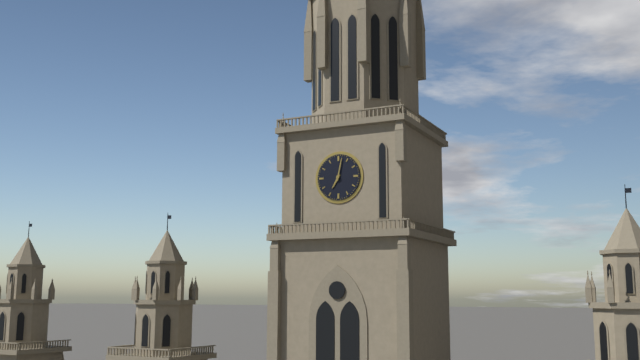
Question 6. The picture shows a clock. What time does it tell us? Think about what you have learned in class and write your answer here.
7:02
